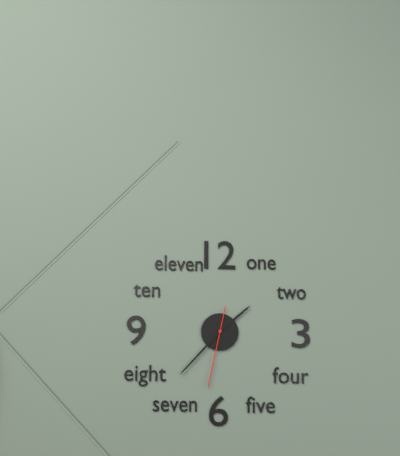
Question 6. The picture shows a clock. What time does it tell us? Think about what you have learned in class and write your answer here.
1:37:32
